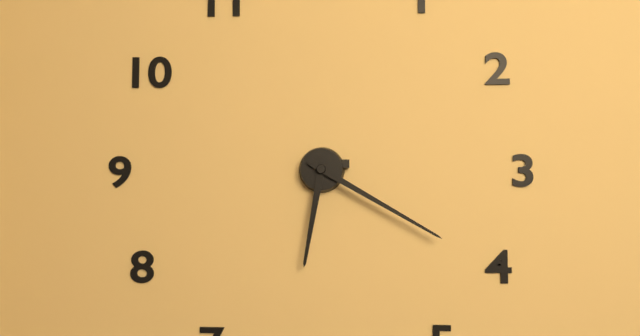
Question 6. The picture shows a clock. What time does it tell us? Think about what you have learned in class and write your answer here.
6:20
